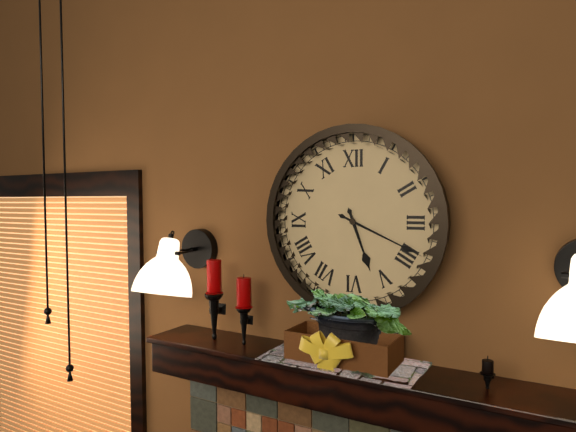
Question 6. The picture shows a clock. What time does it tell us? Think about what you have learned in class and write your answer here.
5:19
